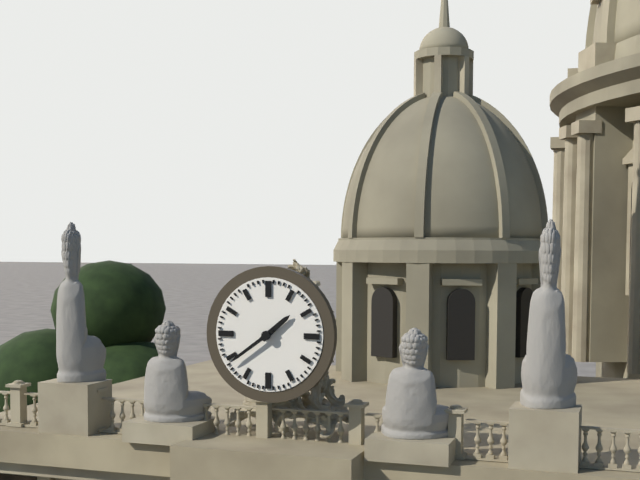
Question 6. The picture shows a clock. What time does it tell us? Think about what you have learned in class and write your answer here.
1:39
